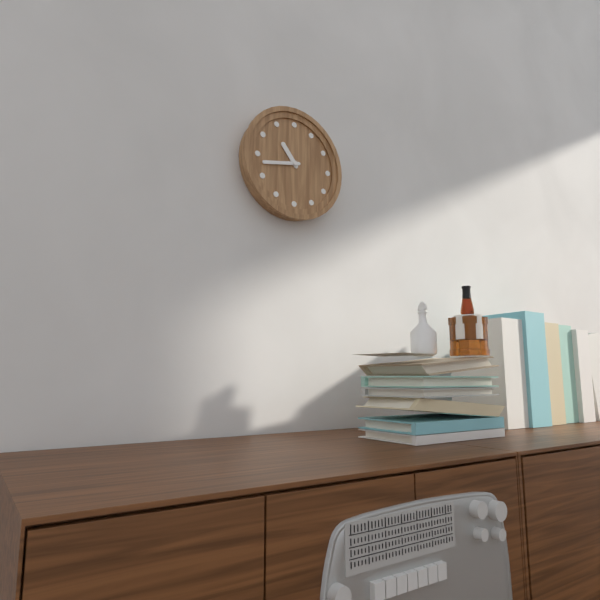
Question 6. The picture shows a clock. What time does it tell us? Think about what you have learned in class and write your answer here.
10:43
